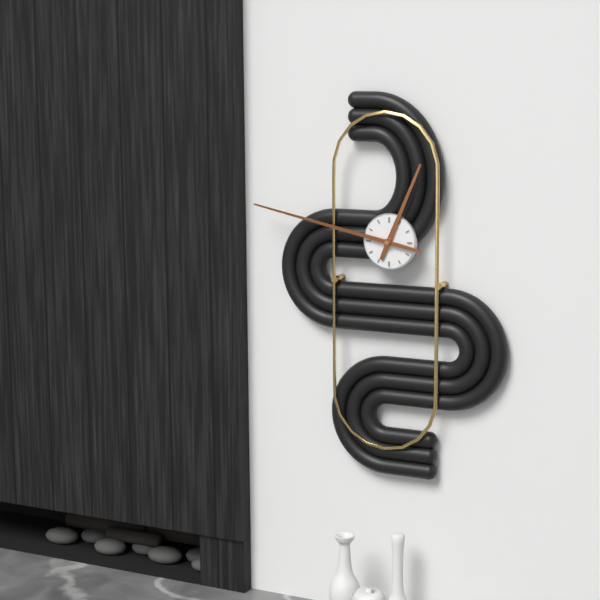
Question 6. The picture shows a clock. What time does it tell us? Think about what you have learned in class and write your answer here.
12:47
